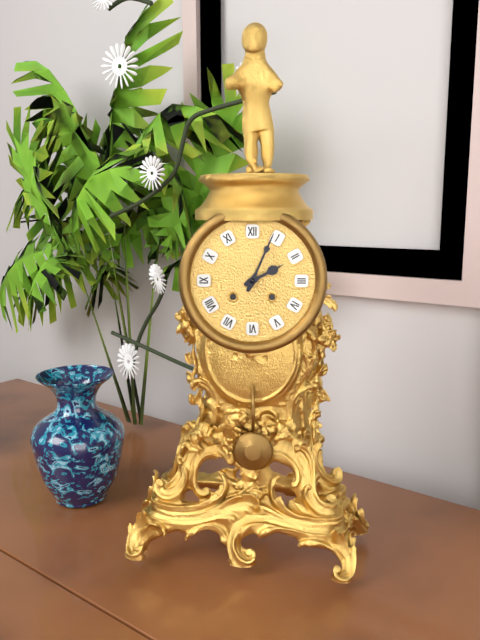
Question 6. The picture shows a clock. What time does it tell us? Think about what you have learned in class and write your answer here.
2:04
